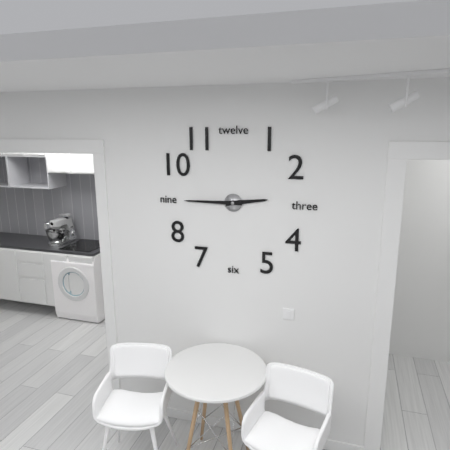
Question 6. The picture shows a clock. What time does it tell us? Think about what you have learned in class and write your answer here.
2:45
